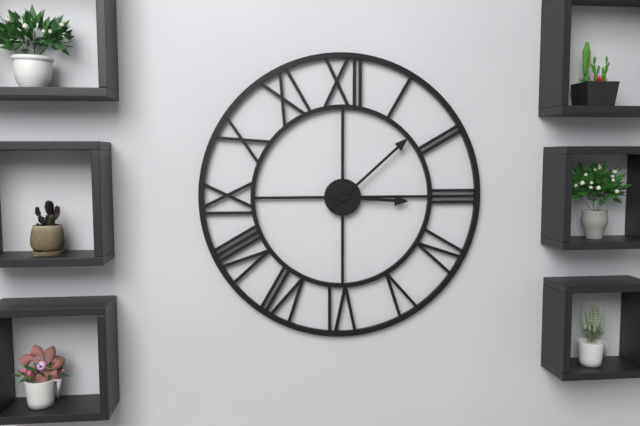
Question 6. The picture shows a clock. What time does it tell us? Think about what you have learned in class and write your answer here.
3:08
